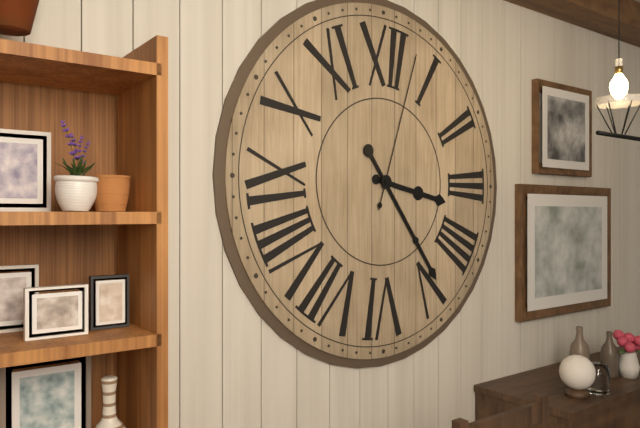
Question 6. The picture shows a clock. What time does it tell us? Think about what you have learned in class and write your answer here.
3:24:03
